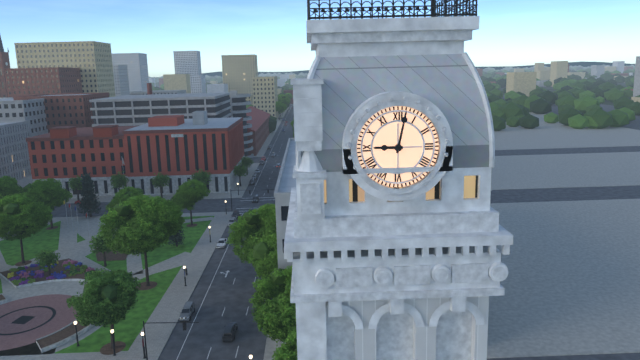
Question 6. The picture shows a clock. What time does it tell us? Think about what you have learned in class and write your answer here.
9:02
